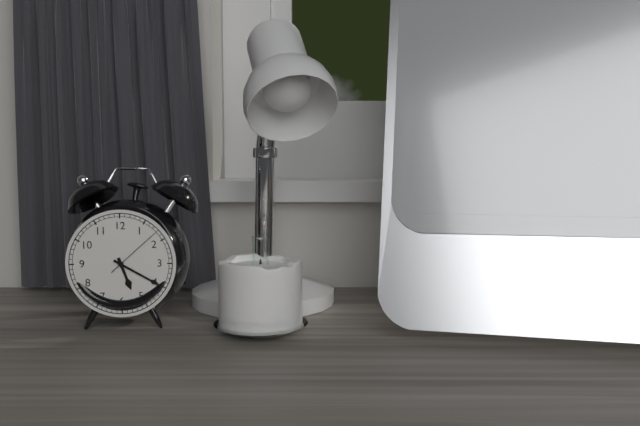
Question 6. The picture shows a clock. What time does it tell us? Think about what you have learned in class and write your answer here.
5:20:08
